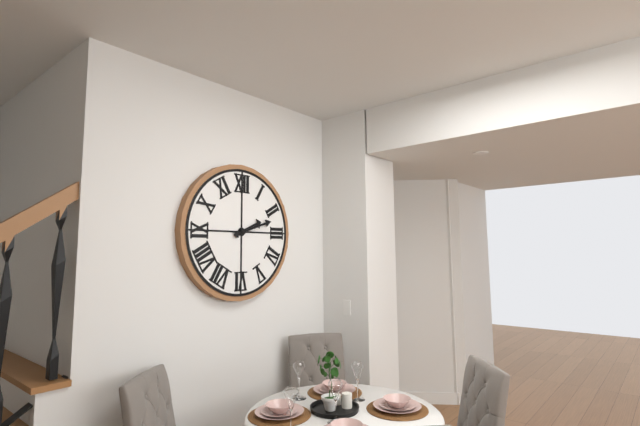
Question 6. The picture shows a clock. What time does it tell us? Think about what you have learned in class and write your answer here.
2:12
